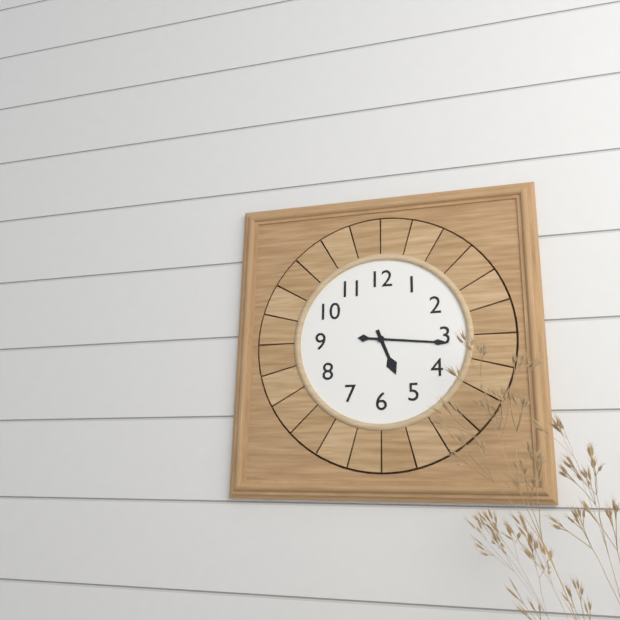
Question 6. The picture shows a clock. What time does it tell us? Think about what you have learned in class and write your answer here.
5:16
